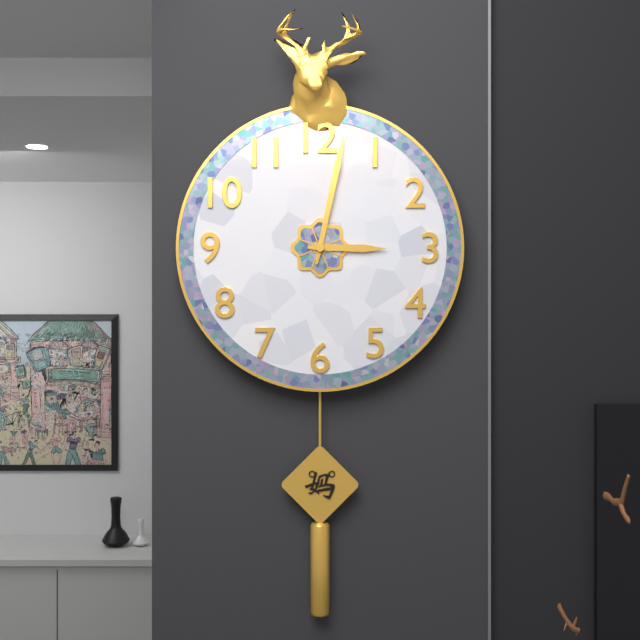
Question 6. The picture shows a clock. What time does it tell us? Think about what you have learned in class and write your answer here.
3:02
